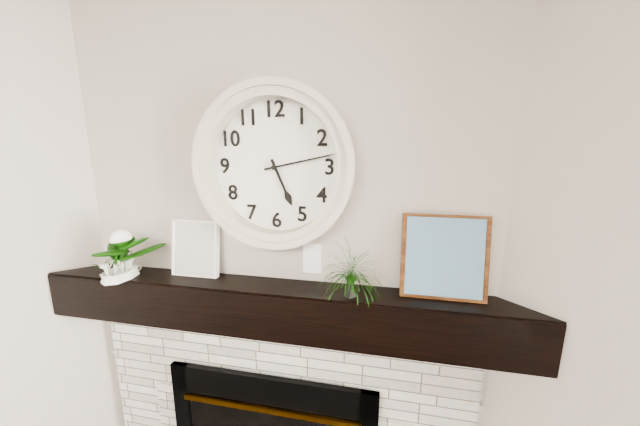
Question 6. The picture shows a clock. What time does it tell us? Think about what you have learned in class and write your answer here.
5:13
